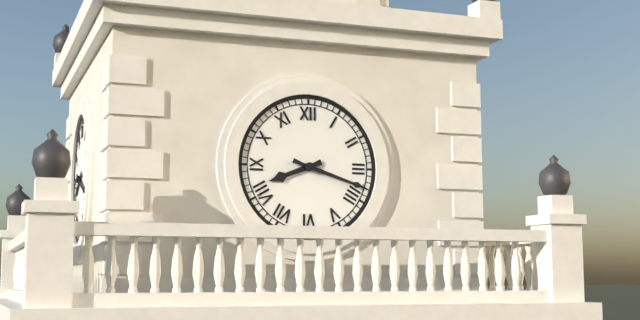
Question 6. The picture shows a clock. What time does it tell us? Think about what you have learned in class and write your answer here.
8:18
